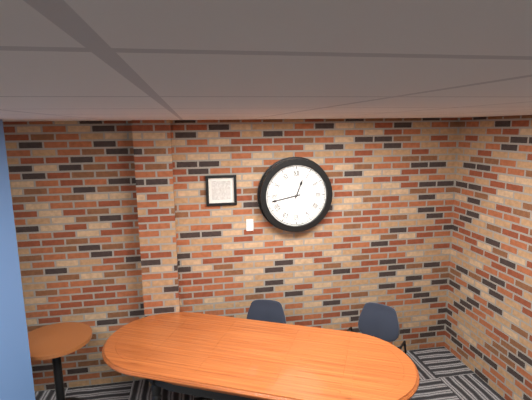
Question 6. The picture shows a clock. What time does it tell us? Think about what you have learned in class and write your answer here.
12:43
